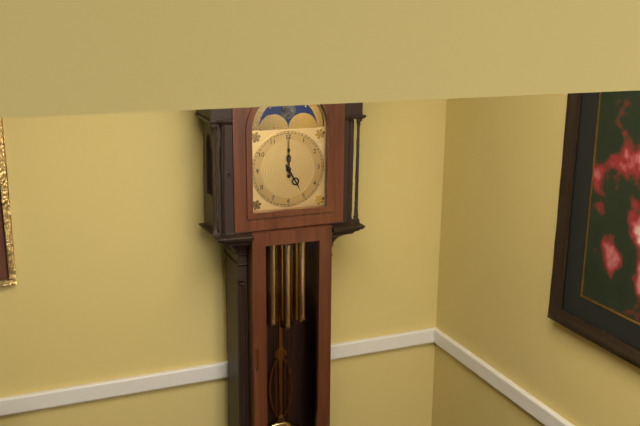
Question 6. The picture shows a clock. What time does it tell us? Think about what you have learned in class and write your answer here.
5:00
